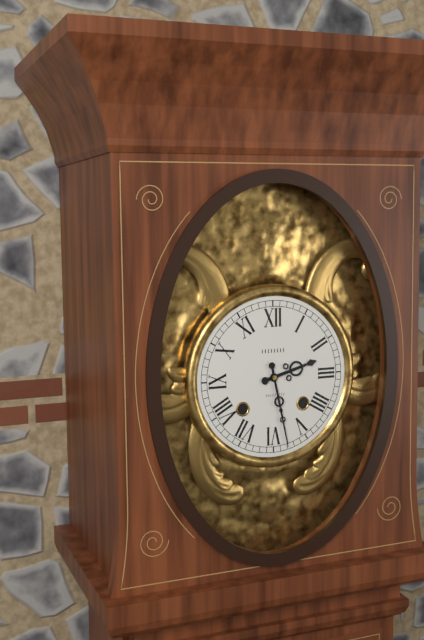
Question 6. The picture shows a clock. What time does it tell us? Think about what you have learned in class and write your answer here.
2:28
